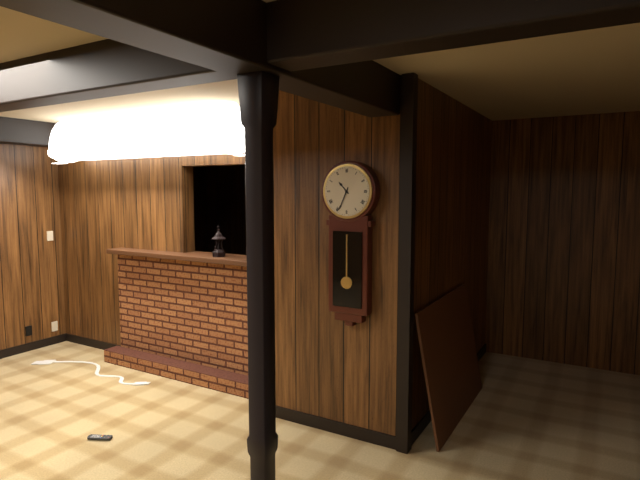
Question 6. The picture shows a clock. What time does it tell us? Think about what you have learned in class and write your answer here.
10:34
